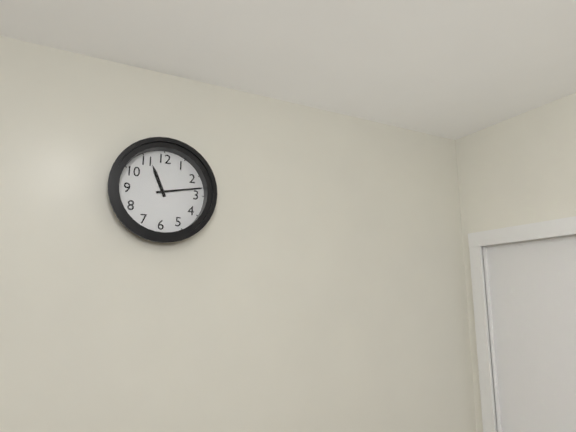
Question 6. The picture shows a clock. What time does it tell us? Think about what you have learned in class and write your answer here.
11:13
